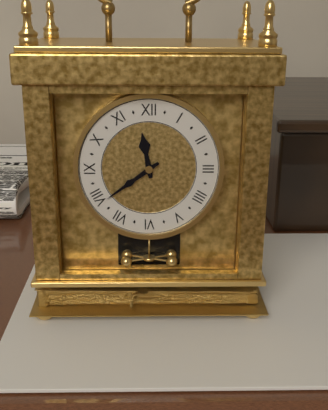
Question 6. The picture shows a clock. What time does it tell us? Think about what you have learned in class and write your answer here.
11:39
